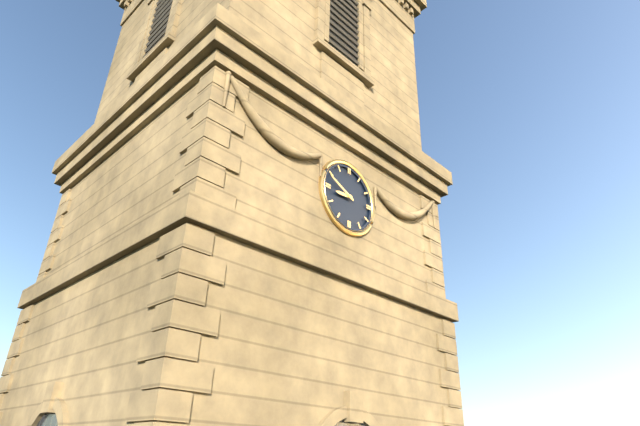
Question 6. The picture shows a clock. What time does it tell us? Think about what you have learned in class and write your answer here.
8:49
